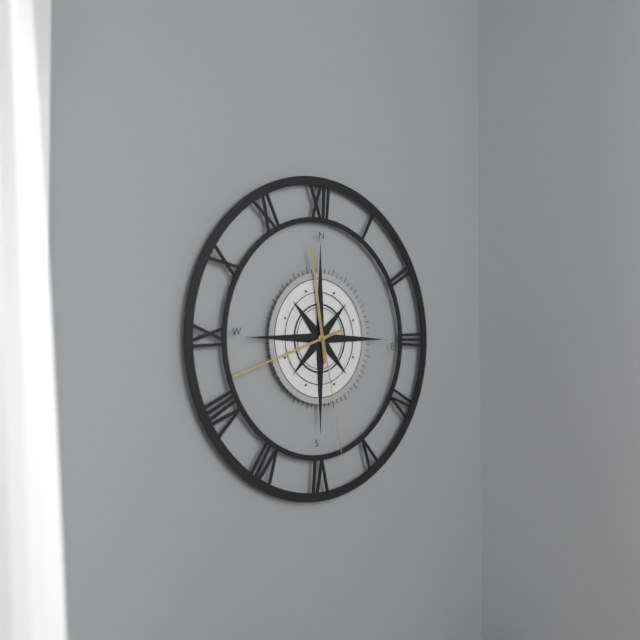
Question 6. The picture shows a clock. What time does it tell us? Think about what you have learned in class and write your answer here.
11:42:28
